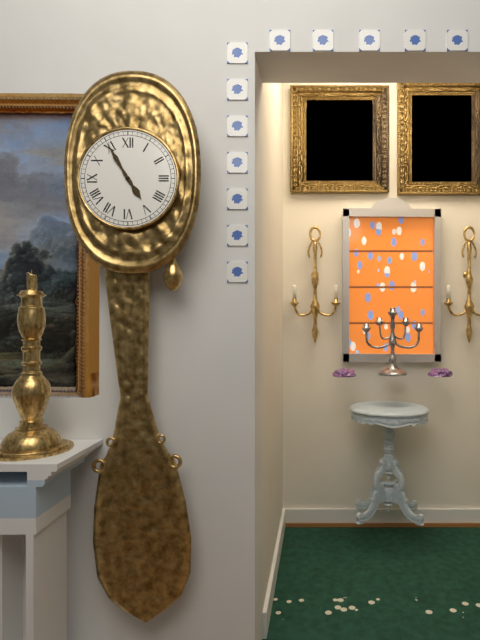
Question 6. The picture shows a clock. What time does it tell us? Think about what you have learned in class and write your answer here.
4:55
